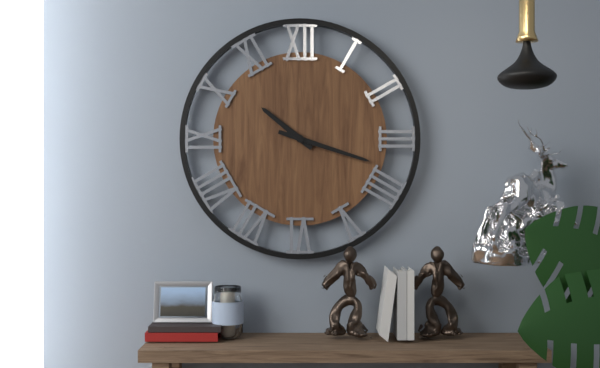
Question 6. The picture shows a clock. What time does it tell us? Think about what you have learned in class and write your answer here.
10:18
